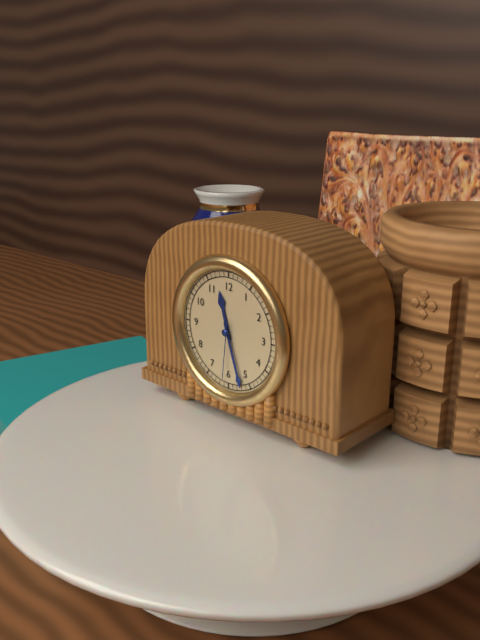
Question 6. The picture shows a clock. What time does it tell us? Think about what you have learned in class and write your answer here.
11:27:31
